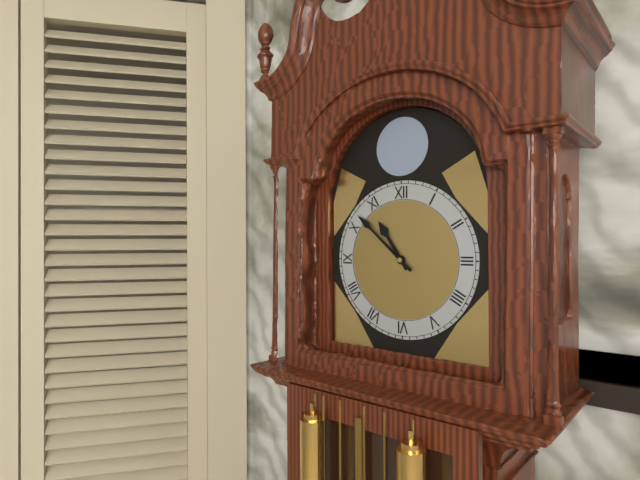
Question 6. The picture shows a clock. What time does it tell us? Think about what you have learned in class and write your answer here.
10:52
